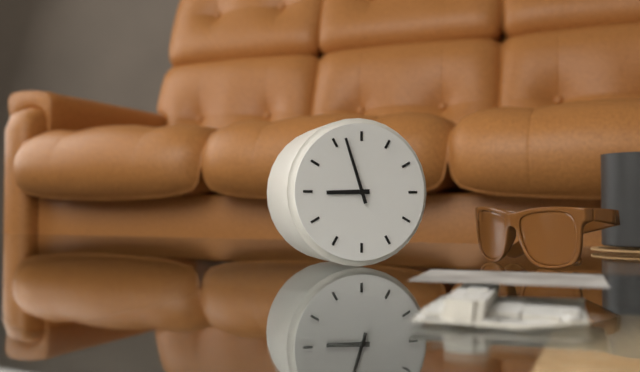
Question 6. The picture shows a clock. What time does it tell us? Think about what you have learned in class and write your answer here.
8:57
